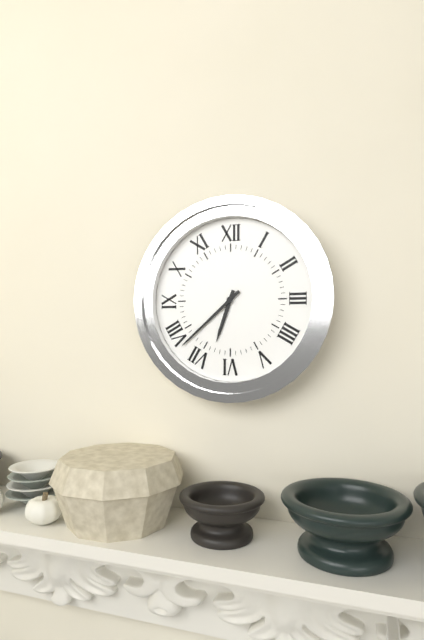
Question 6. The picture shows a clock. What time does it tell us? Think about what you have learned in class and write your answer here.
6:38
